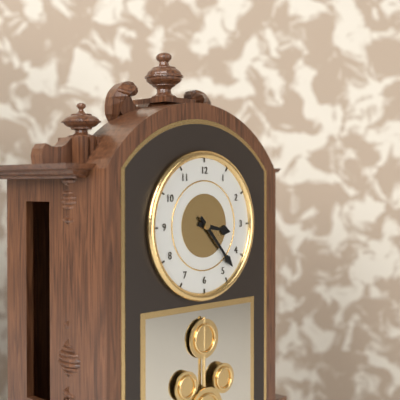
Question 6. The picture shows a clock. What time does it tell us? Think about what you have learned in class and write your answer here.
3:23
